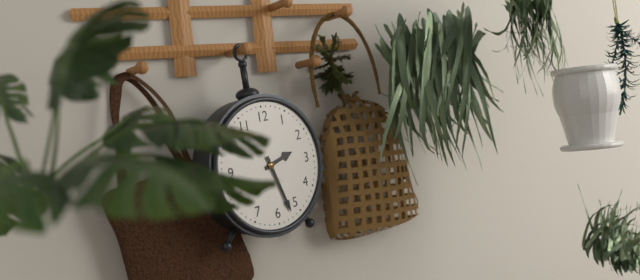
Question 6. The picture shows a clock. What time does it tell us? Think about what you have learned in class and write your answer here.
2:27
